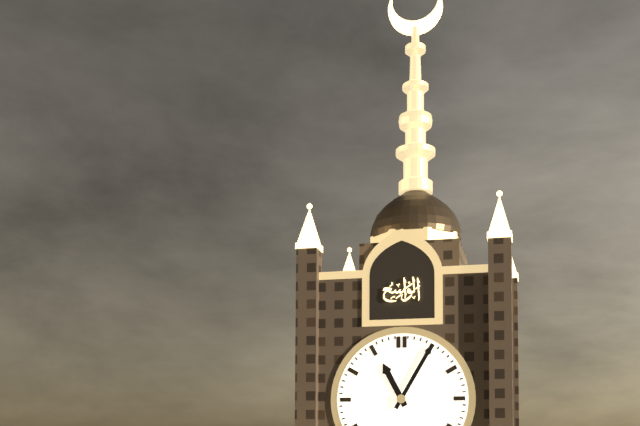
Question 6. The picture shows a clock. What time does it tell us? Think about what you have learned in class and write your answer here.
11:05
